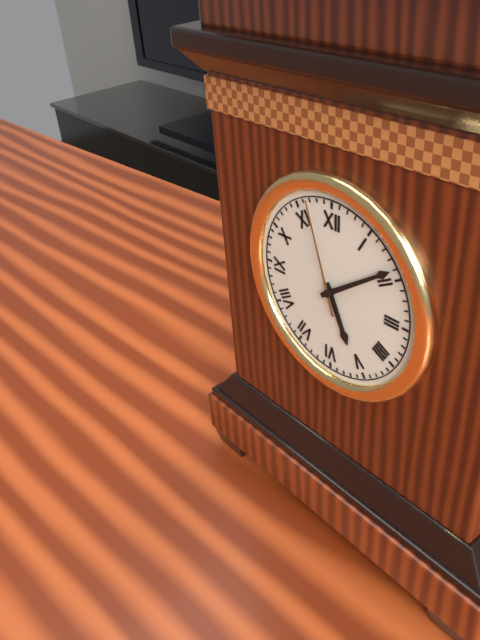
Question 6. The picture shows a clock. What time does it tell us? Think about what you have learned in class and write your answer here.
5:09:57
